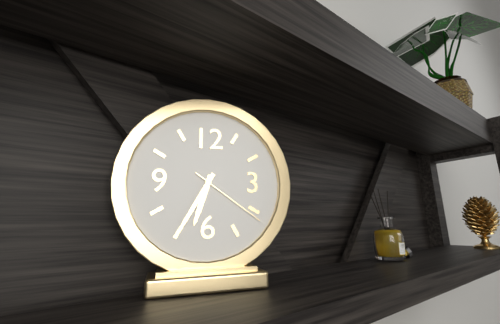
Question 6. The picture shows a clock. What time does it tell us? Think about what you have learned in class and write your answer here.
6:35:21
